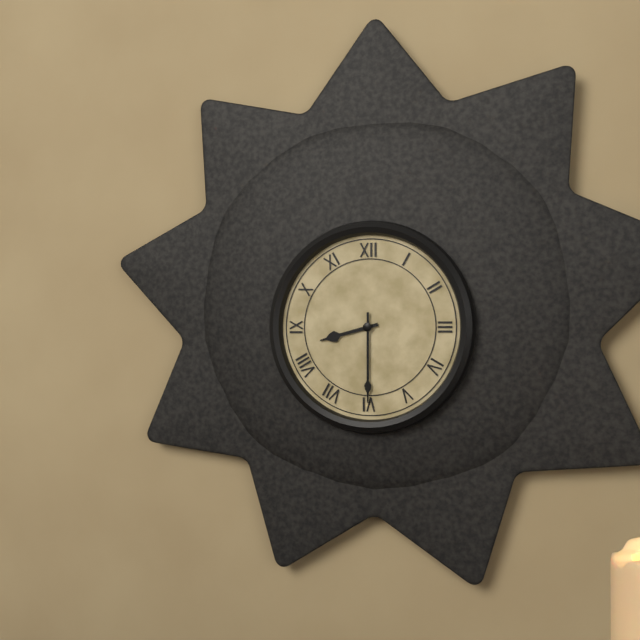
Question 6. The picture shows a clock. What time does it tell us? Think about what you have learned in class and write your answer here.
8:30
